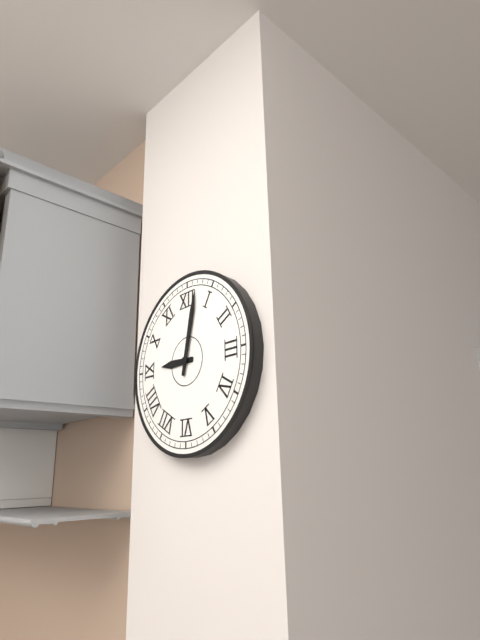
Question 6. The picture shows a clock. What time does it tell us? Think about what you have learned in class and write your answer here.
9:02
